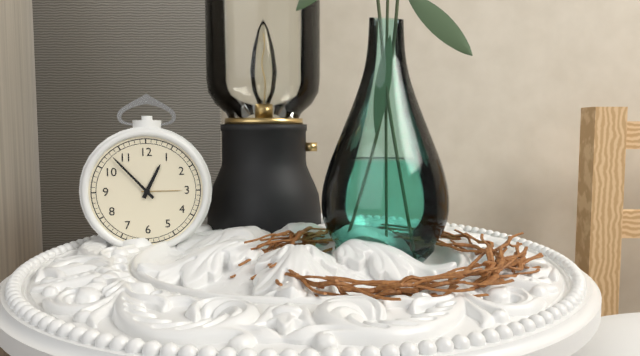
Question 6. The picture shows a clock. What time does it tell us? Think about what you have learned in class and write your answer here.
12:53
